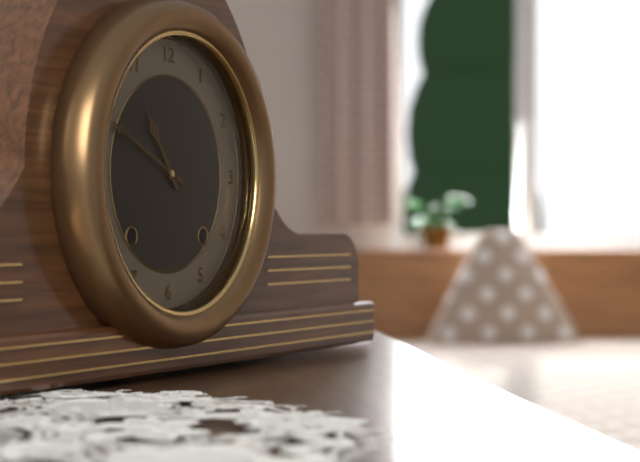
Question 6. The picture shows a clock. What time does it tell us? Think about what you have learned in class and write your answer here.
10:49
